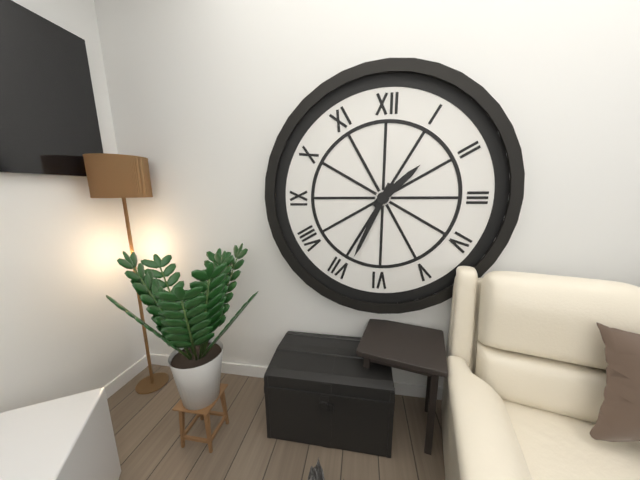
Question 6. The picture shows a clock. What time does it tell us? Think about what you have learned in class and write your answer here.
1:34
